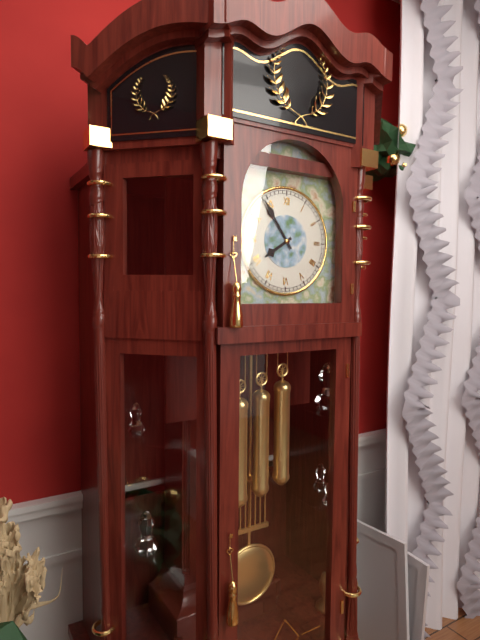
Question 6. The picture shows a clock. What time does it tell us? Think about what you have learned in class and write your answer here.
7:54
